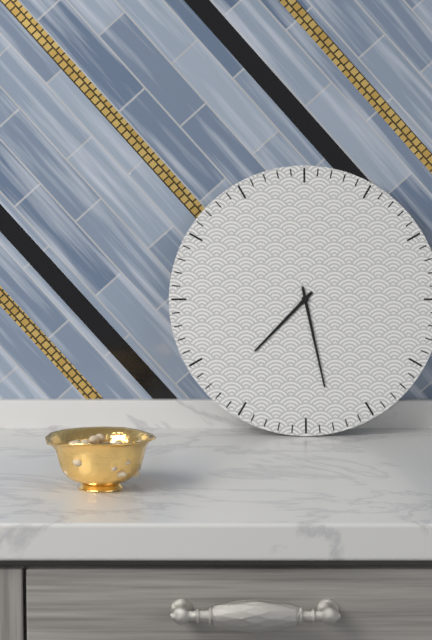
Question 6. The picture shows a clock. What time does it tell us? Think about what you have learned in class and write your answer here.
7:28
